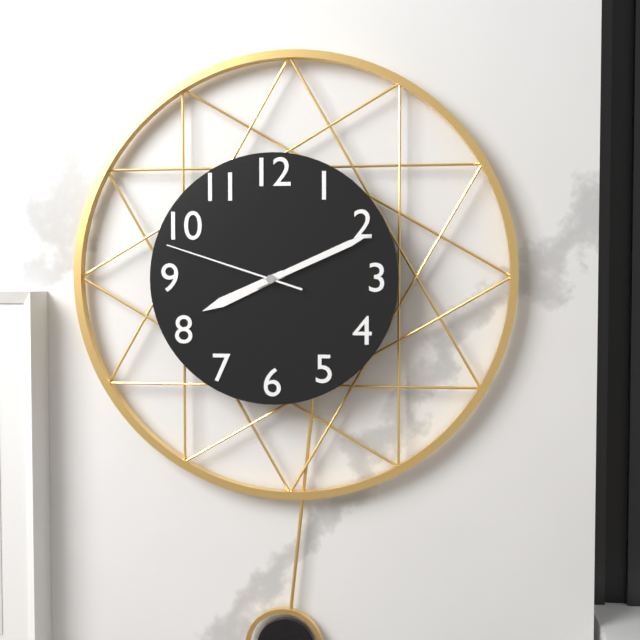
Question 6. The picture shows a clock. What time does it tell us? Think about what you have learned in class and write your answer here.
8:11:48
